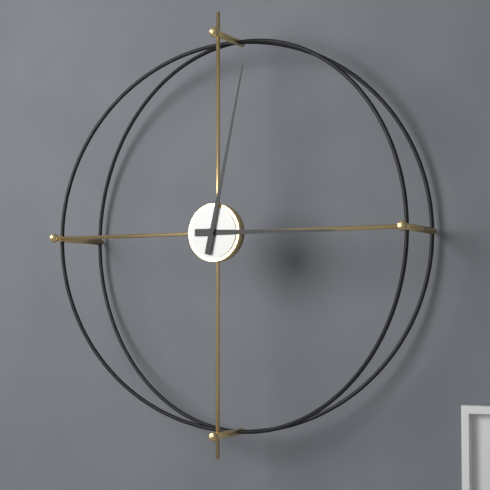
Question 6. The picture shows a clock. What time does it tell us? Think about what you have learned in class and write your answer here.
3:02
